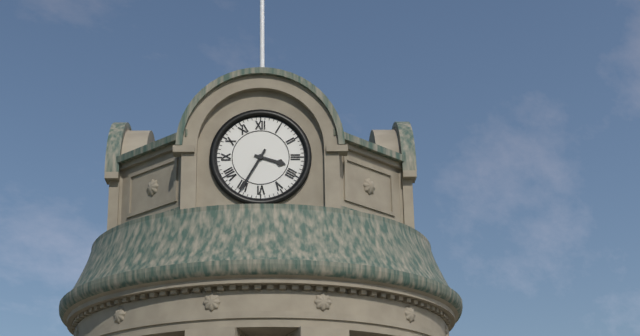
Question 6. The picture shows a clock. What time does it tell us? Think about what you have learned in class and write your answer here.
3:35
